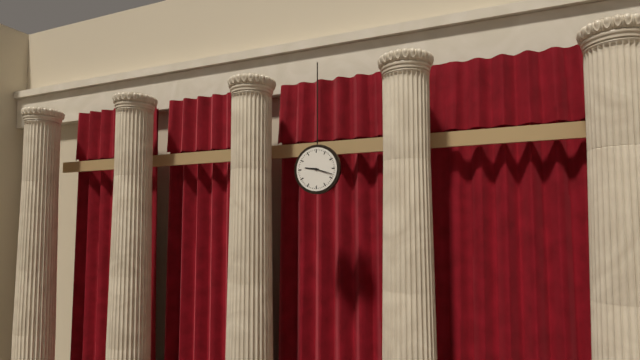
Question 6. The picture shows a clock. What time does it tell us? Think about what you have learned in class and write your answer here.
9:18
